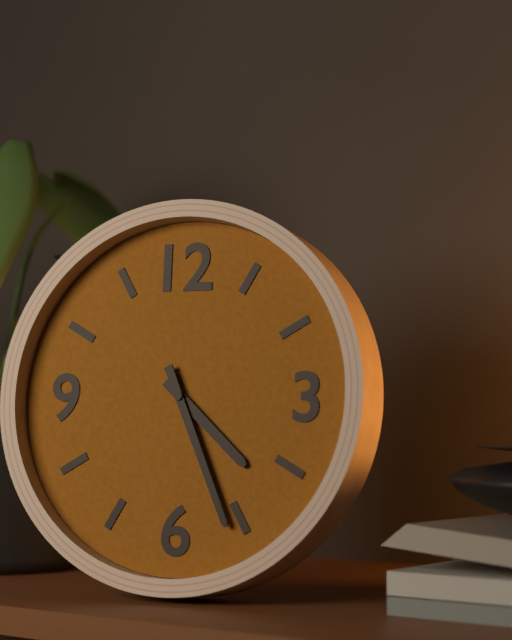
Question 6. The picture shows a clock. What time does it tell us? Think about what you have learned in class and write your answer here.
4:26
